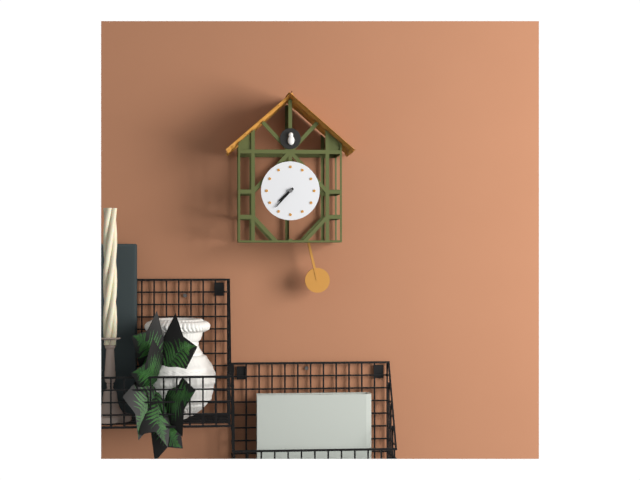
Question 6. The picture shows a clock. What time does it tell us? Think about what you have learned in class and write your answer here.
7:37
